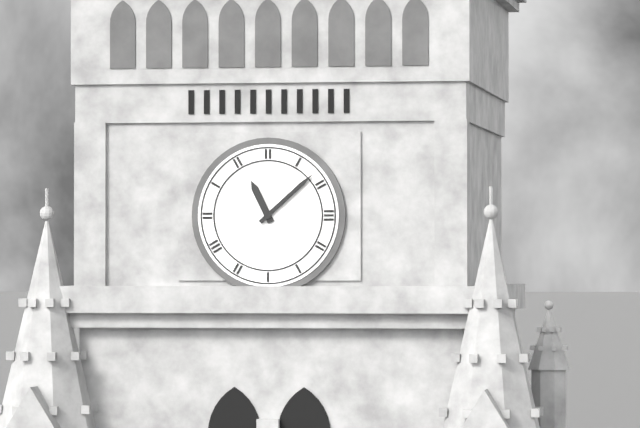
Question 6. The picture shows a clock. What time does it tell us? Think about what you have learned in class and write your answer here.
11:08
